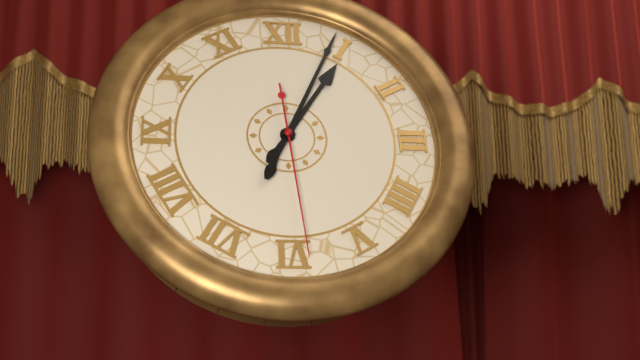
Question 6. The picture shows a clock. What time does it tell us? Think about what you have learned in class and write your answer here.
1:04:29
